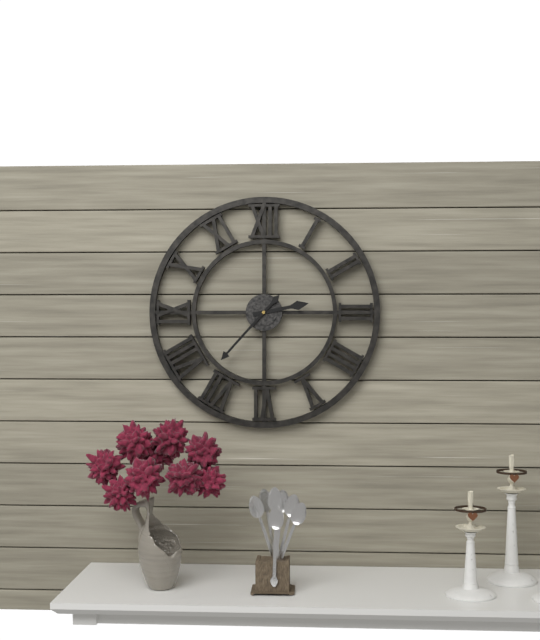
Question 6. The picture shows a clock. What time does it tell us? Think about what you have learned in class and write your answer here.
2:37
